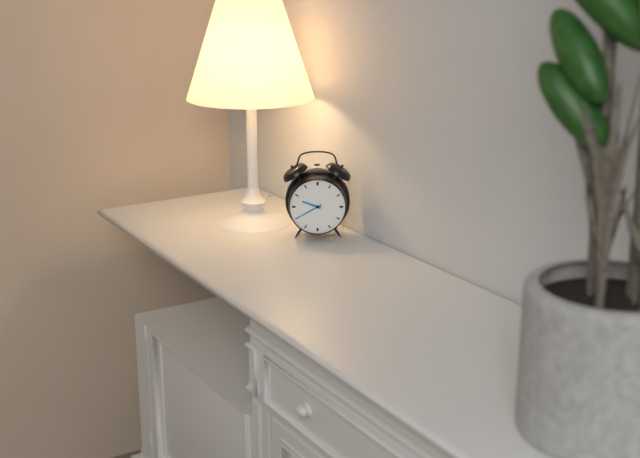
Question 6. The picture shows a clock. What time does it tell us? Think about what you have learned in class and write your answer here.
9:40
